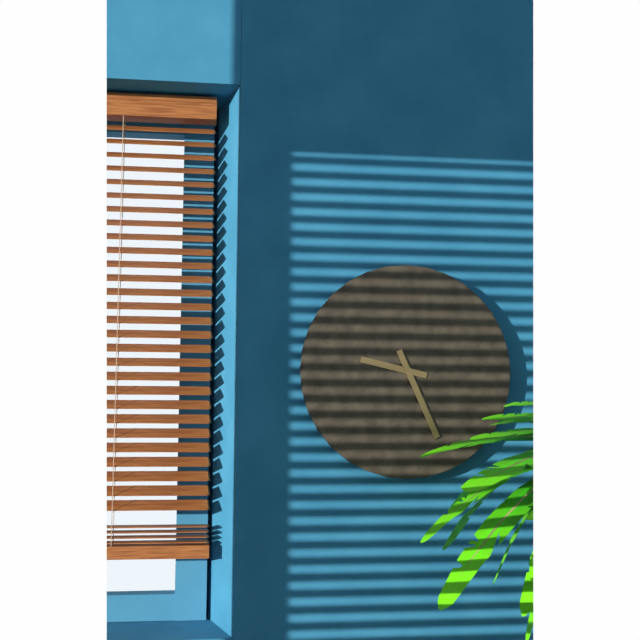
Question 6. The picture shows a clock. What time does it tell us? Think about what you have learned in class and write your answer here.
9:26
